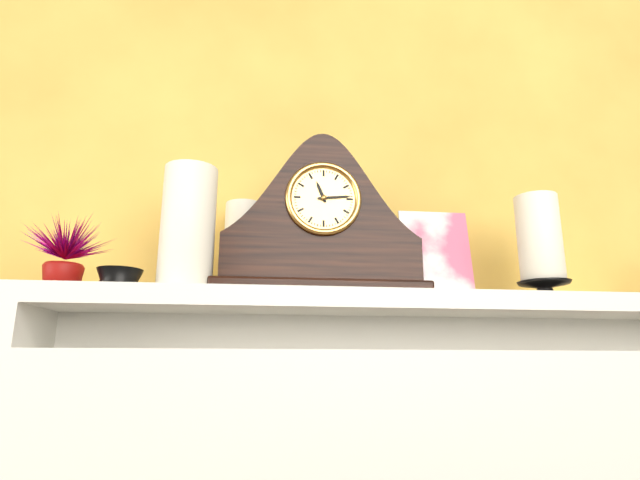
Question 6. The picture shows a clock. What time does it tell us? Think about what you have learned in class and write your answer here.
11:14
